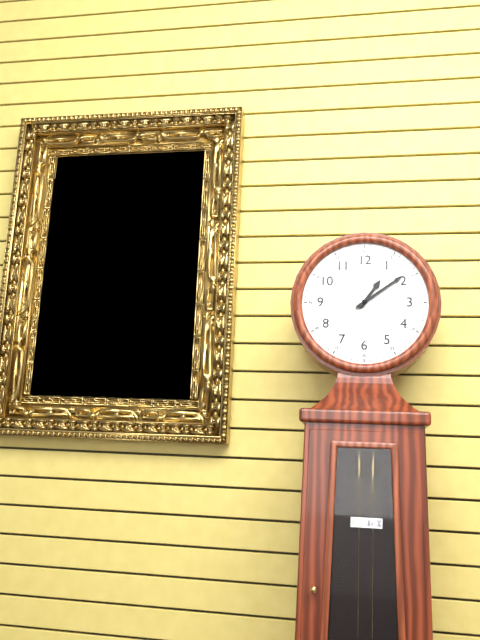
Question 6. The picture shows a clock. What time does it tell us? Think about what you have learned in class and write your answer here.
1:09
